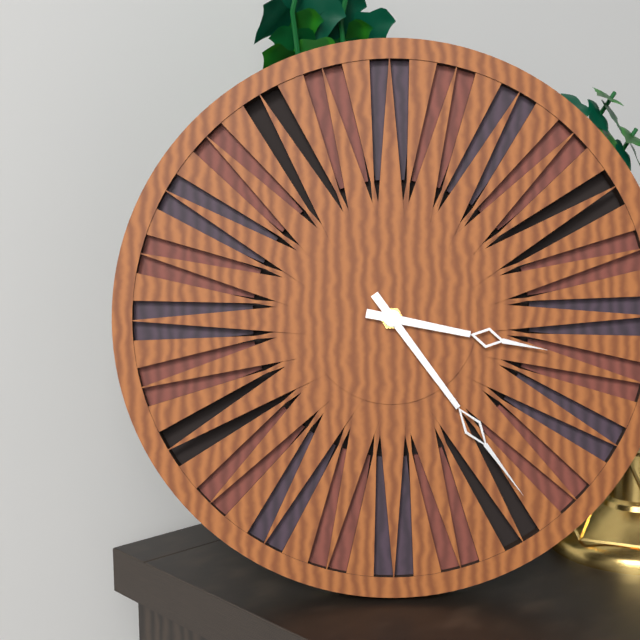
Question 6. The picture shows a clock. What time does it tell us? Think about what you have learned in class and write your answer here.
3:24
